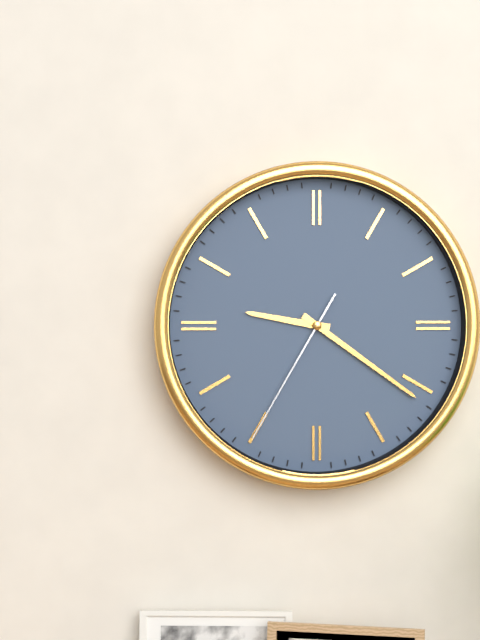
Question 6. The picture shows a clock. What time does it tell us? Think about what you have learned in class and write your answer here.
9:21:35
